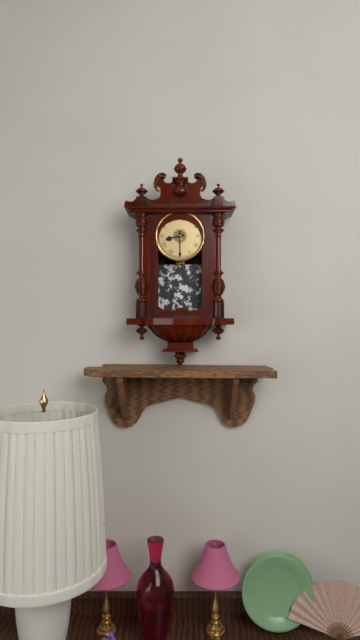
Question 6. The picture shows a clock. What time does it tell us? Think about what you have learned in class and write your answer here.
8:30
